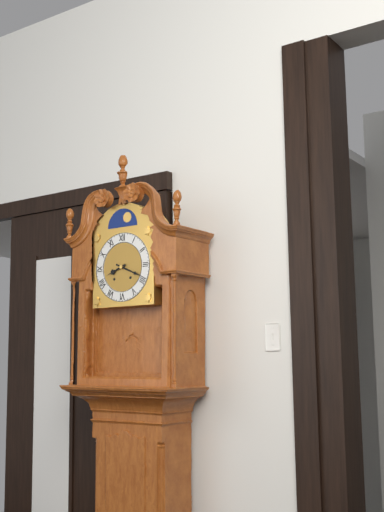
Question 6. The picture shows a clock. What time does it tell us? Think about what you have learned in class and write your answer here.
8:19
